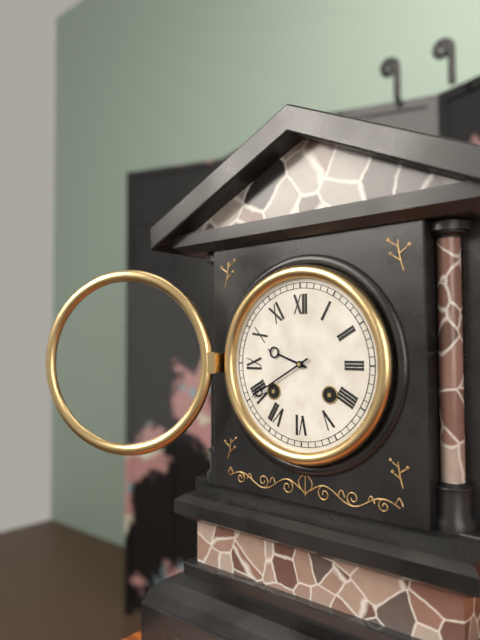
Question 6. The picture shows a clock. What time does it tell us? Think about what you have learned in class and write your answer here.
9:40
